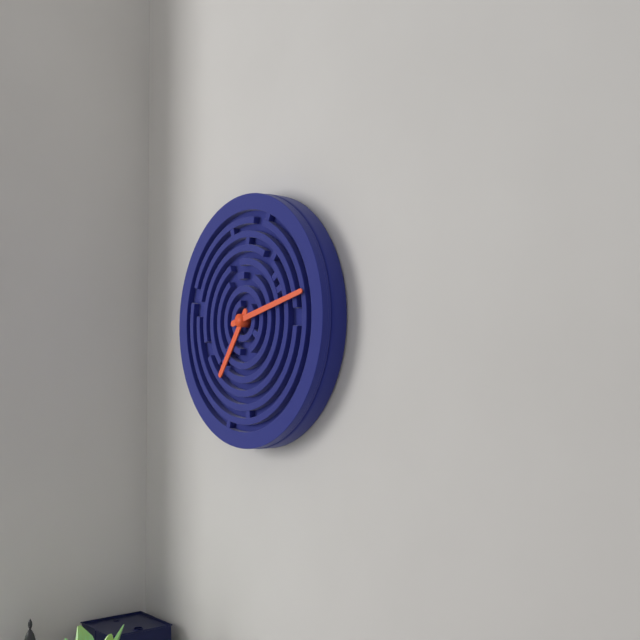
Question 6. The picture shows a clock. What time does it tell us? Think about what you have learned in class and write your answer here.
7:13
